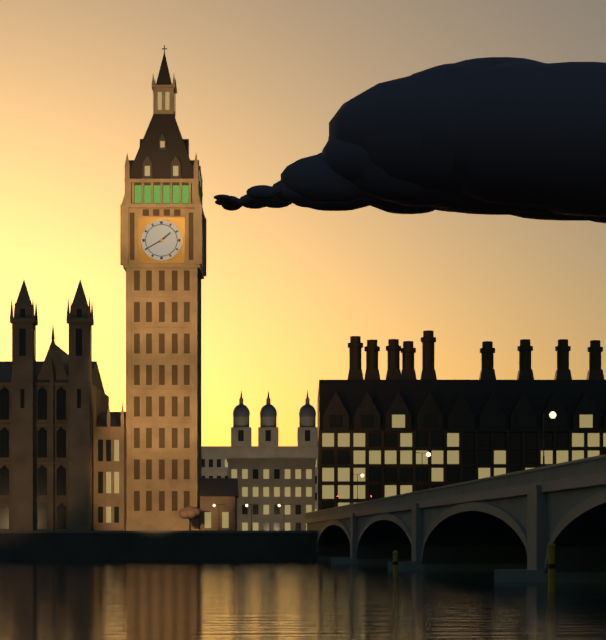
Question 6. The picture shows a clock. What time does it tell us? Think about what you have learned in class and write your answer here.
1:40
